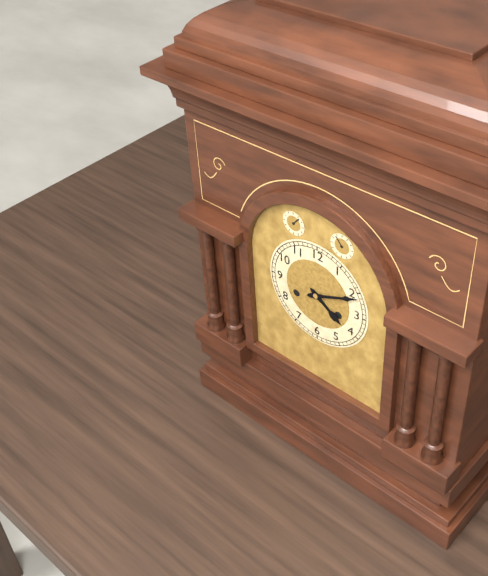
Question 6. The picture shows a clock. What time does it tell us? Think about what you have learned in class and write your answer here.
4:11
